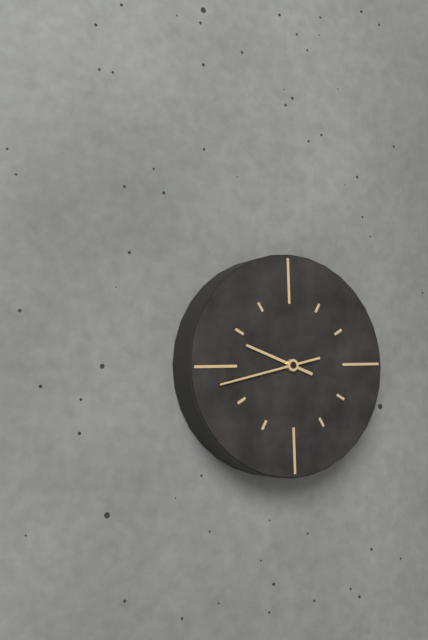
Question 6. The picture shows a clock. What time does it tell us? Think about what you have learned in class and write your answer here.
9:43
